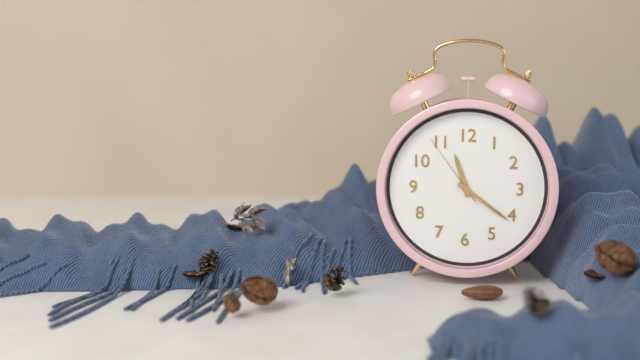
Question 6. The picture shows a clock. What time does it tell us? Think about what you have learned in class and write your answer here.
11:21:54
